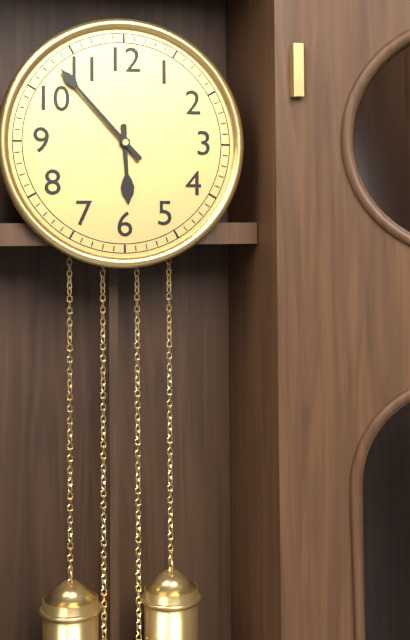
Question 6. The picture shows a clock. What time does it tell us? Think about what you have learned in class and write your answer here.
5:53
